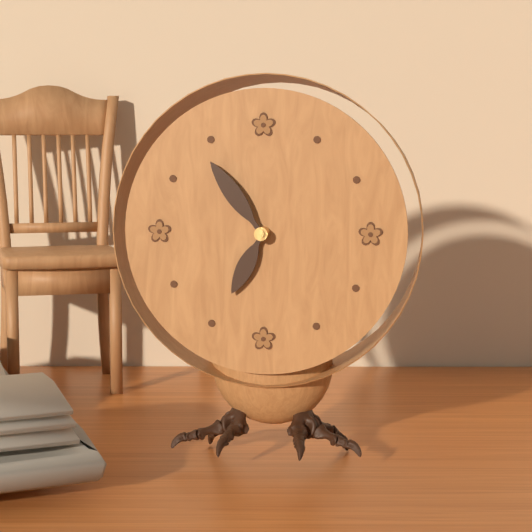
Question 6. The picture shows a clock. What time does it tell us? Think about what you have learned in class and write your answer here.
6:54
